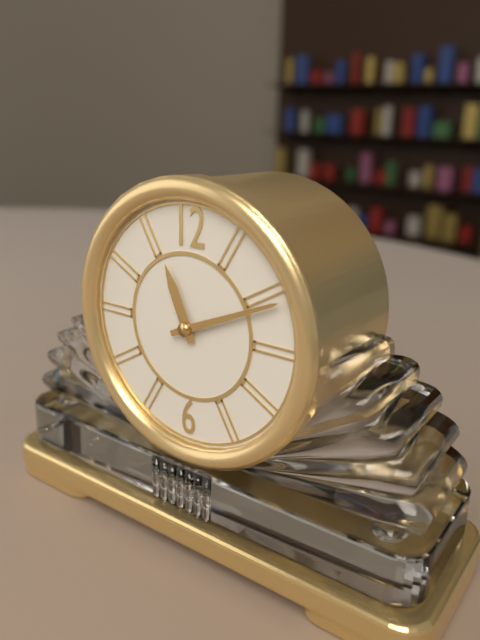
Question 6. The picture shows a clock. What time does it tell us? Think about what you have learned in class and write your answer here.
11:11
